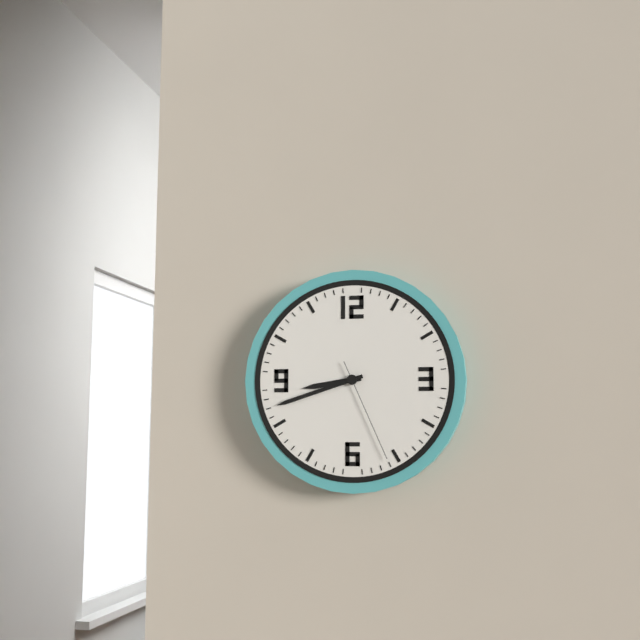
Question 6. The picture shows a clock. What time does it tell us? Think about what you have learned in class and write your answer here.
8:42:26
